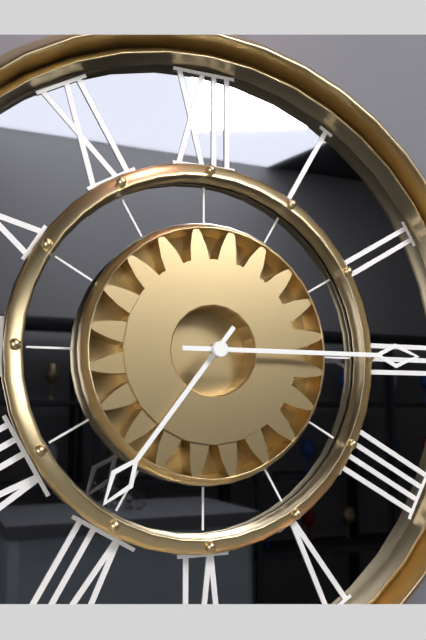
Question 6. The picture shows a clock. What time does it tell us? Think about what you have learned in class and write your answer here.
7:15
